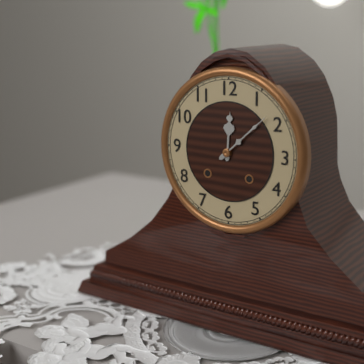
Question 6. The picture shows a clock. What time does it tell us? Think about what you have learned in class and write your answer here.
12:08
